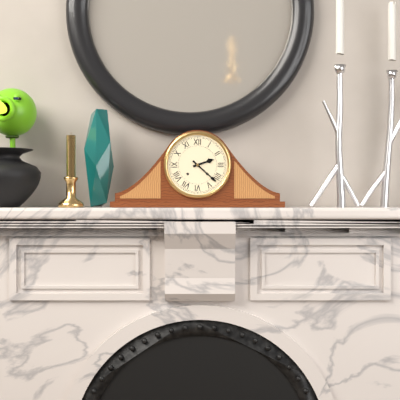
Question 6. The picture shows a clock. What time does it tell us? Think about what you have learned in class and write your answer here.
2:22
